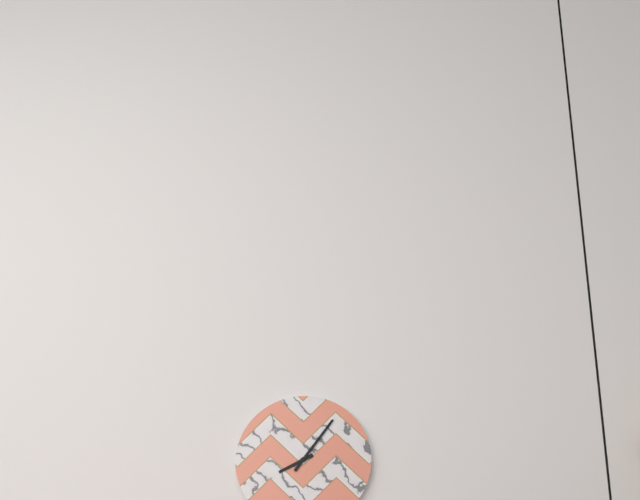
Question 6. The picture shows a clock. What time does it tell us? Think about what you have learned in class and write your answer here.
8:06
